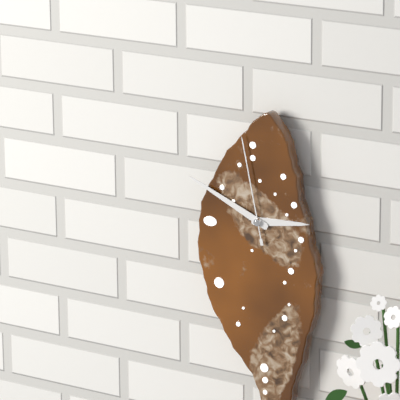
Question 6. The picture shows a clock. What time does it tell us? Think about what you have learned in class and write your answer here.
2:49:58
